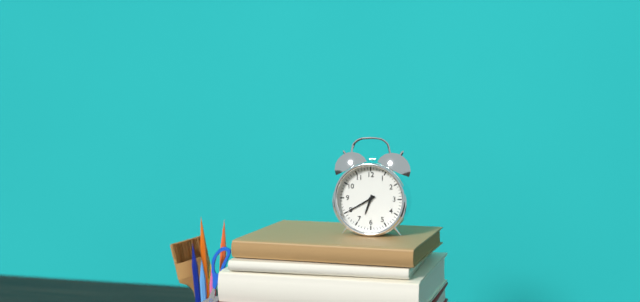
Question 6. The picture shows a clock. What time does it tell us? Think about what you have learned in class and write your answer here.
6:40
